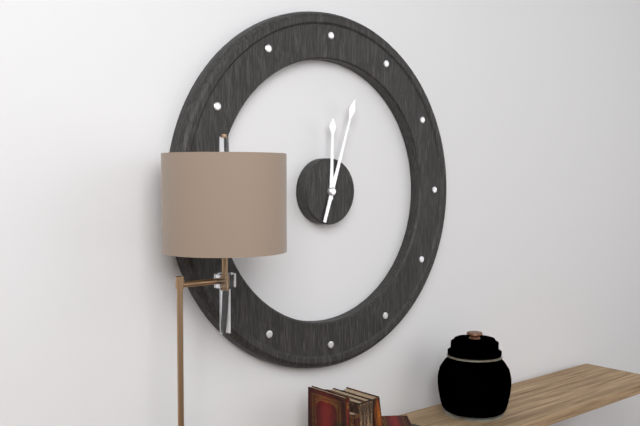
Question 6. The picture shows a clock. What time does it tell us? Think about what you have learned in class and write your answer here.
12:03
